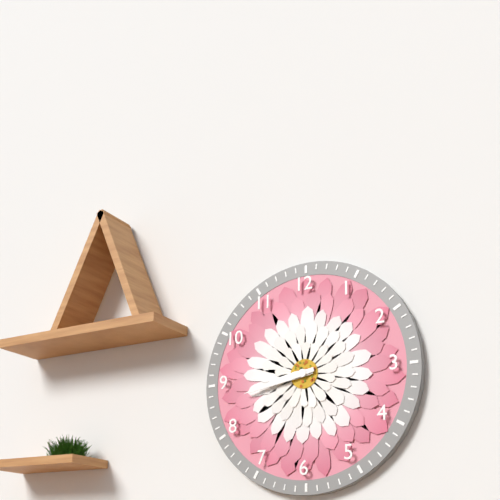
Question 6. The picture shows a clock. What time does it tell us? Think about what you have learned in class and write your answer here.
8:43
